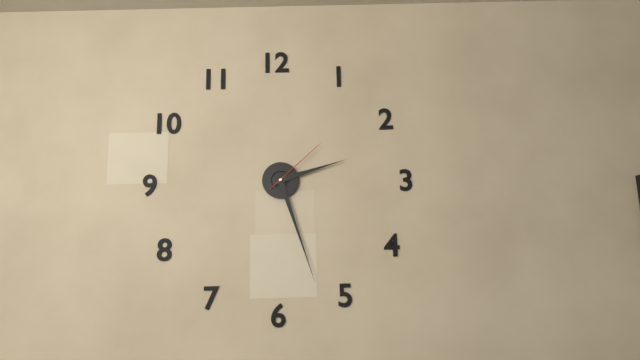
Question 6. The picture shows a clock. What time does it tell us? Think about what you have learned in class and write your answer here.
2:27:08
